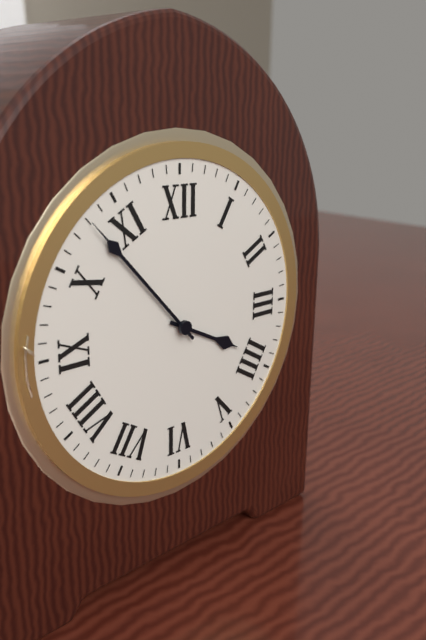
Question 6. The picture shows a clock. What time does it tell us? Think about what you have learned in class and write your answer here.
3:53
